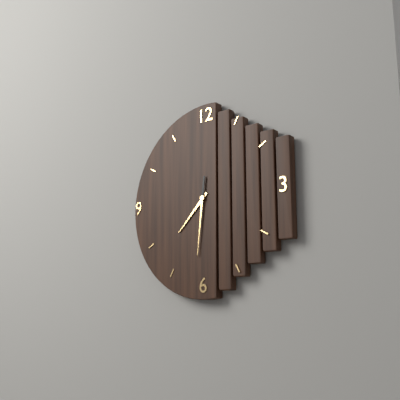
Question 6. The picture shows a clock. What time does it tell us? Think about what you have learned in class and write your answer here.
7:31
